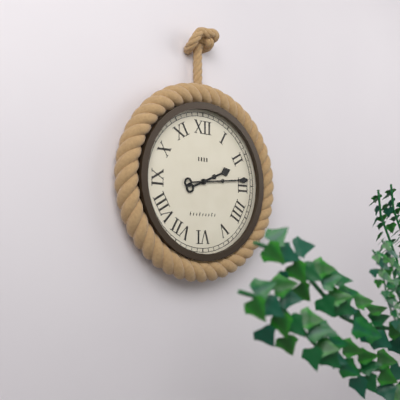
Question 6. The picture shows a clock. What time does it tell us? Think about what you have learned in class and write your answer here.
2:14
